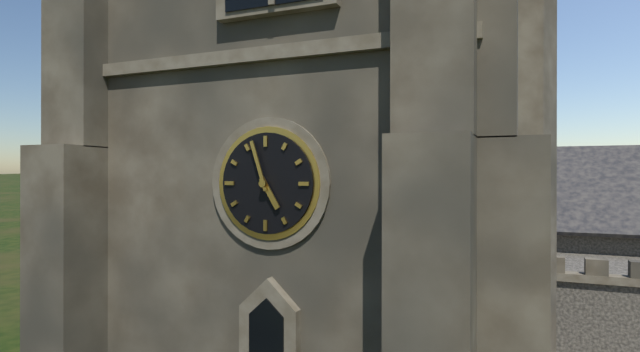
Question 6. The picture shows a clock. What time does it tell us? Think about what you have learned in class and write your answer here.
4:57
